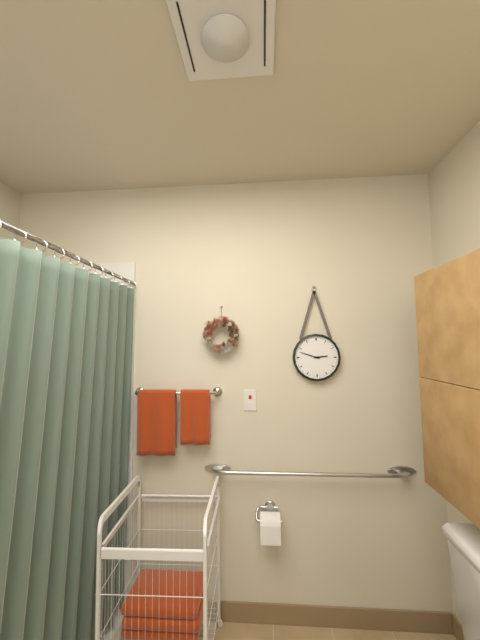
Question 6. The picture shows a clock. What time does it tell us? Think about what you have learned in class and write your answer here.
2:48
